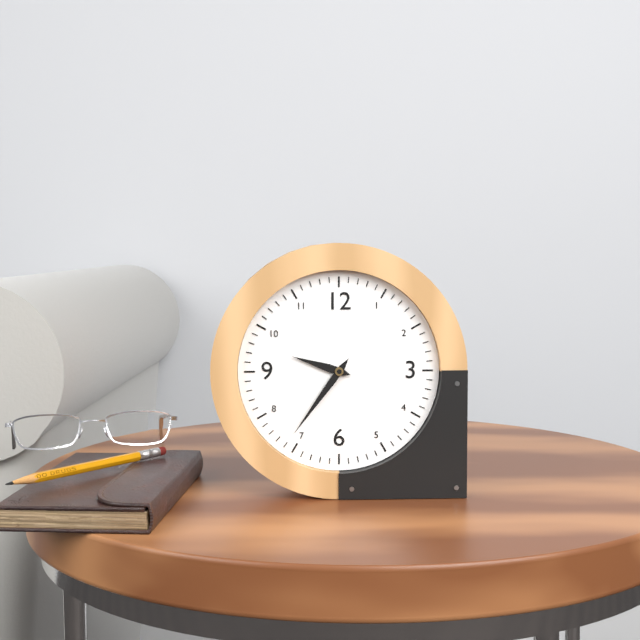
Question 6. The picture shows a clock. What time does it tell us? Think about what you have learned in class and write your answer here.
9:36
